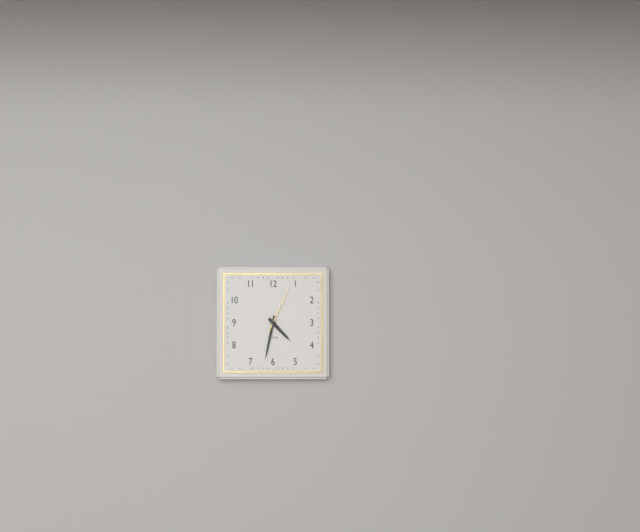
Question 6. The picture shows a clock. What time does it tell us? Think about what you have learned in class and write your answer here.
4:32
